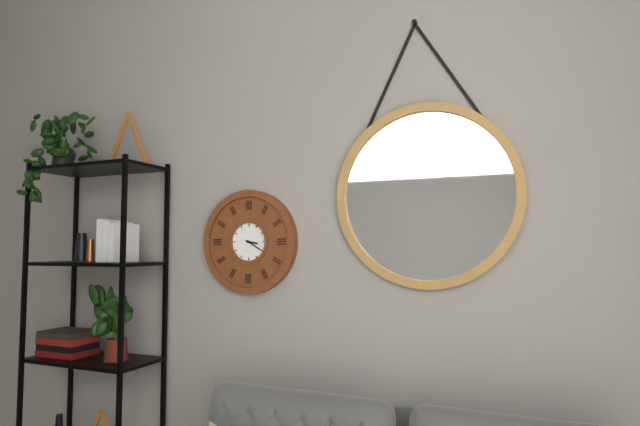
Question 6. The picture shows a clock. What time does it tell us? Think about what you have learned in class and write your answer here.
3:20
